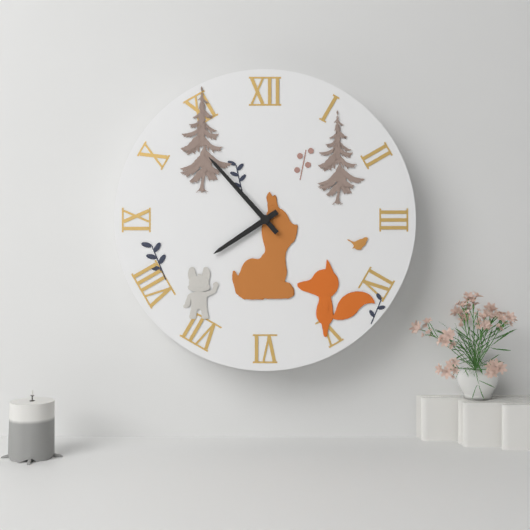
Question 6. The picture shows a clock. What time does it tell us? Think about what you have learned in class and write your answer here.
7:53
